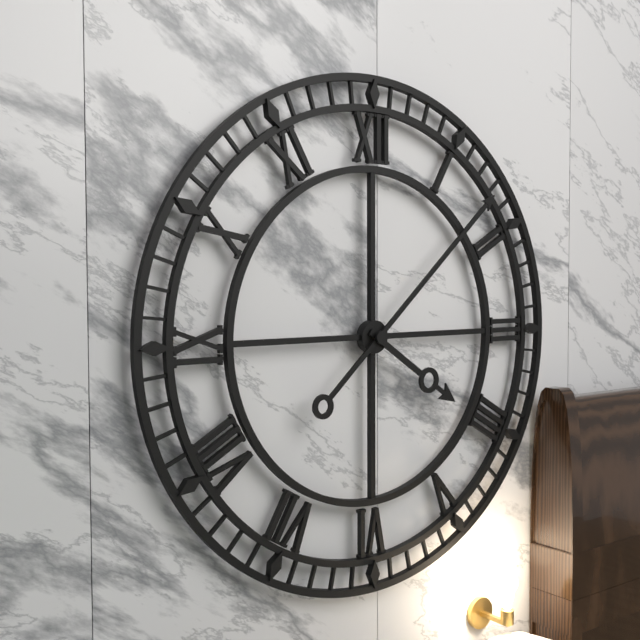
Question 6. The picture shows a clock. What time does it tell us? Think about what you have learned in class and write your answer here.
4:08
